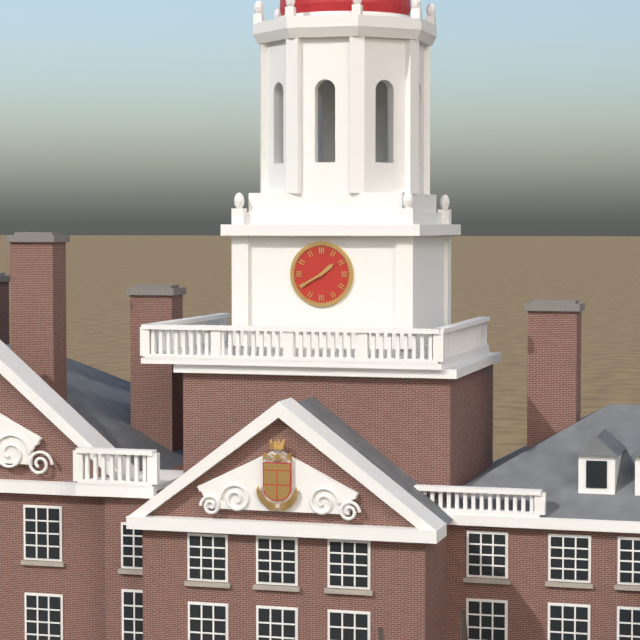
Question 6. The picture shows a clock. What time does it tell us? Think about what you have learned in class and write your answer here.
1:40
